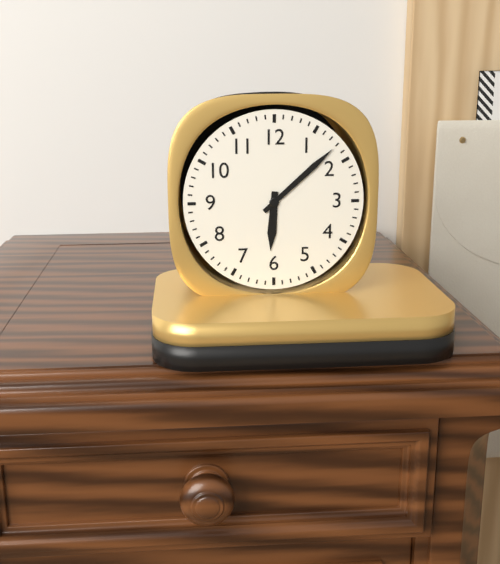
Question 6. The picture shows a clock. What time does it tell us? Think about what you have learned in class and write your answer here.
6:08
